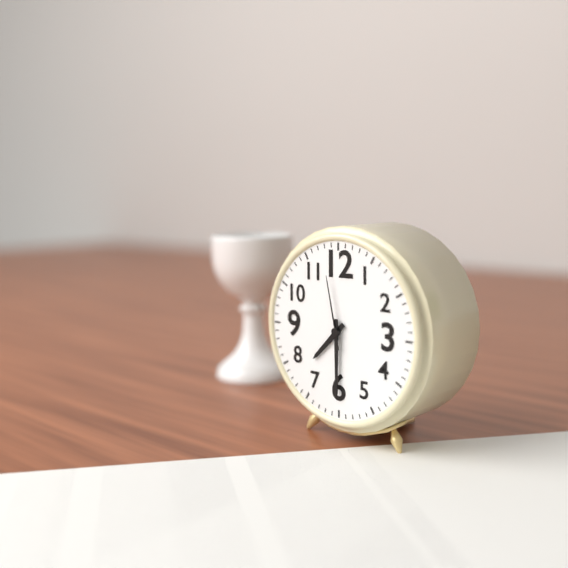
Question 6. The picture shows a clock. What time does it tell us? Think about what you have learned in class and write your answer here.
7:30:58
